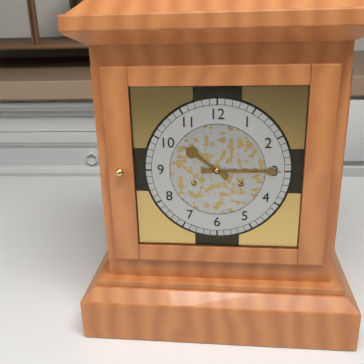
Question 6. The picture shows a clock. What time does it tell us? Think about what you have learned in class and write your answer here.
10:15
